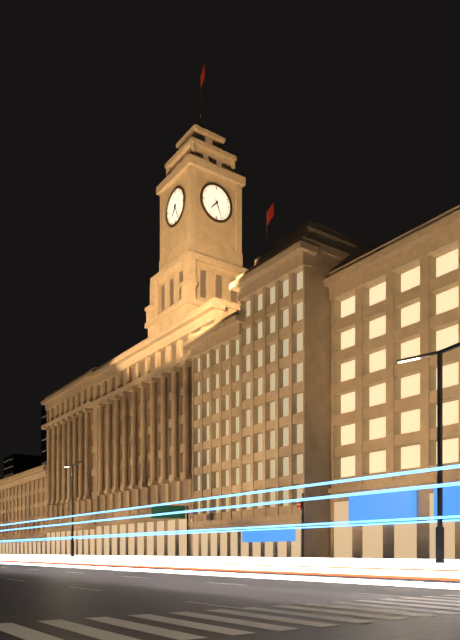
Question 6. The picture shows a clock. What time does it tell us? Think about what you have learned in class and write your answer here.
7:26
